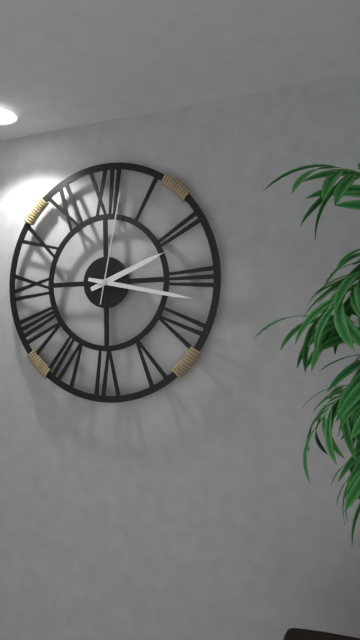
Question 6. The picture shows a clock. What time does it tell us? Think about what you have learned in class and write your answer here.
2:17:02
